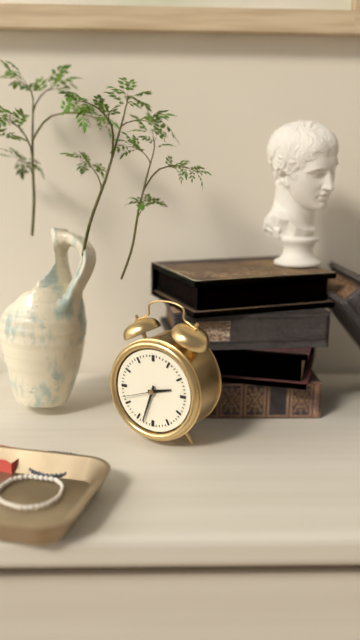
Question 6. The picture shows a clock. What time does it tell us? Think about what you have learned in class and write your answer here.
2:33
